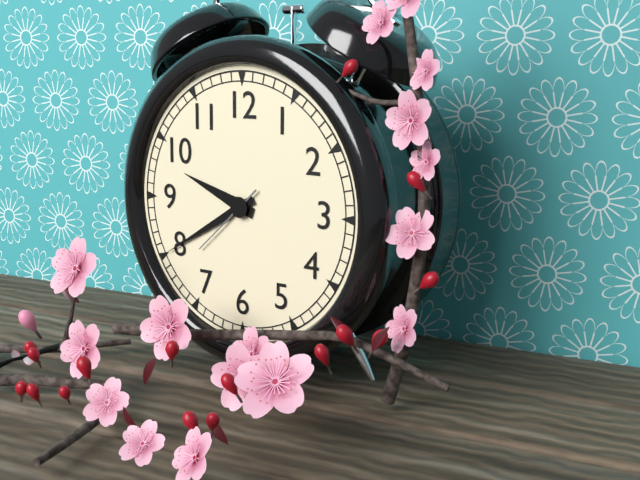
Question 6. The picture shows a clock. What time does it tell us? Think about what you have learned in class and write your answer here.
9:40:38
